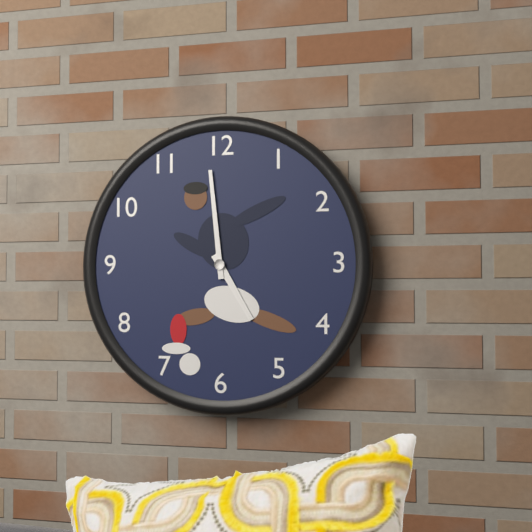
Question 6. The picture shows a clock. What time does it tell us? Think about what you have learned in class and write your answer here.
4:59
